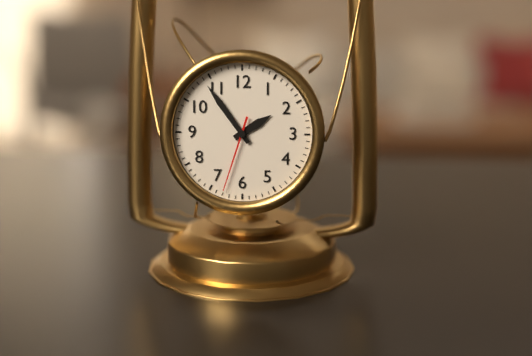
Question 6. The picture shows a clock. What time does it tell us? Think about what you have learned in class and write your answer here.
1:54:33
